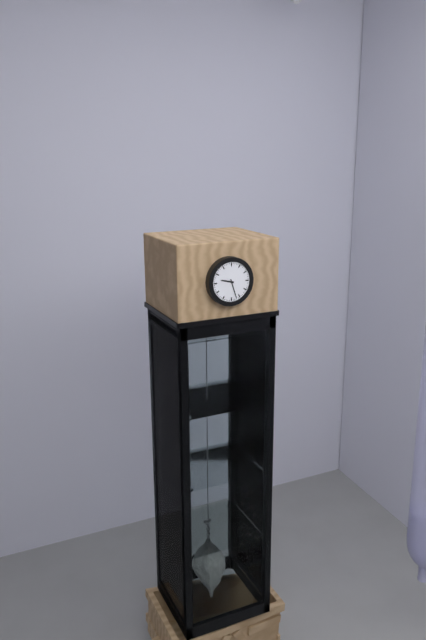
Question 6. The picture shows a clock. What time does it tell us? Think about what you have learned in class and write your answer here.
9:27
